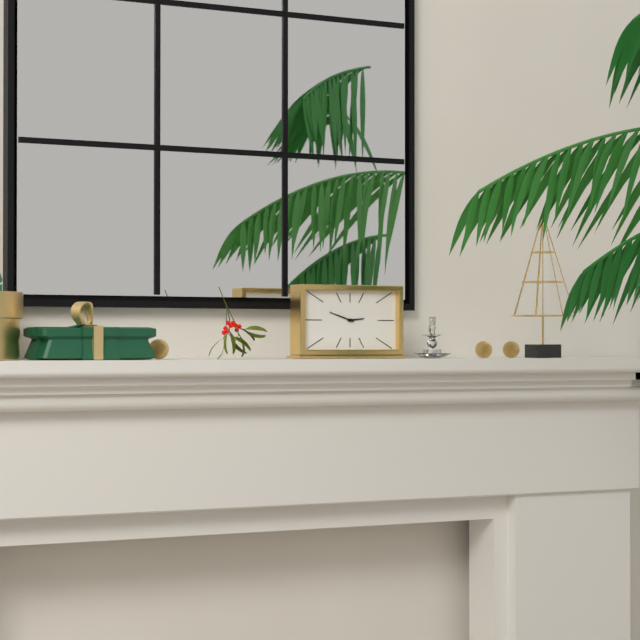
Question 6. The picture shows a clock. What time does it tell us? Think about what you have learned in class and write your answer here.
2:48
